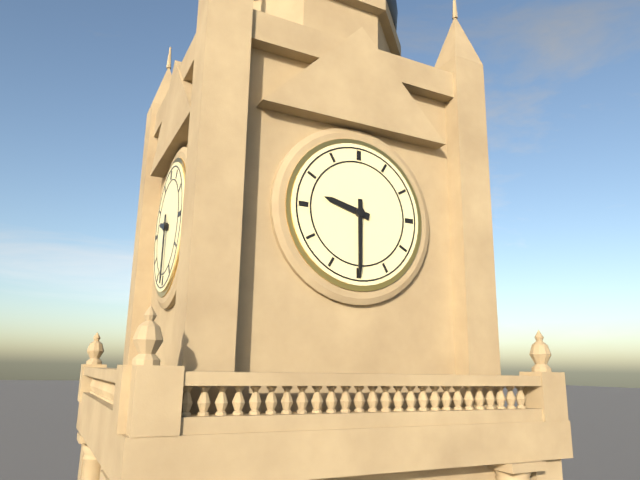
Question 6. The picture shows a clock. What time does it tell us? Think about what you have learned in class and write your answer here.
9:30
